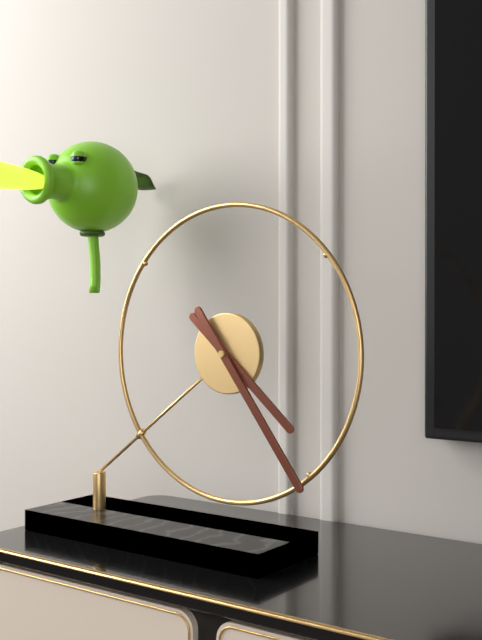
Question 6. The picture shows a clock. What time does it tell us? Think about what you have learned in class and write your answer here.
4:24
